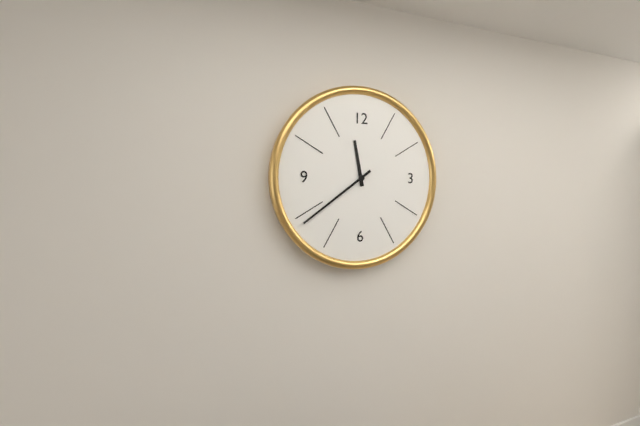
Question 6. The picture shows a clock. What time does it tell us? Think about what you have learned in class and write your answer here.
11:39
